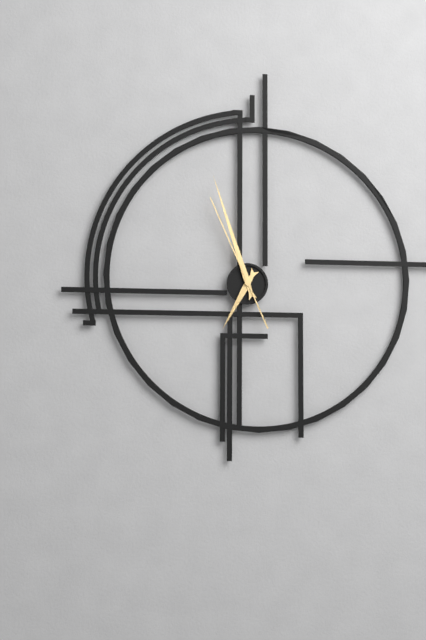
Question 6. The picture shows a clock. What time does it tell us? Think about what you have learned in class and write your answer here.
6:57:56
